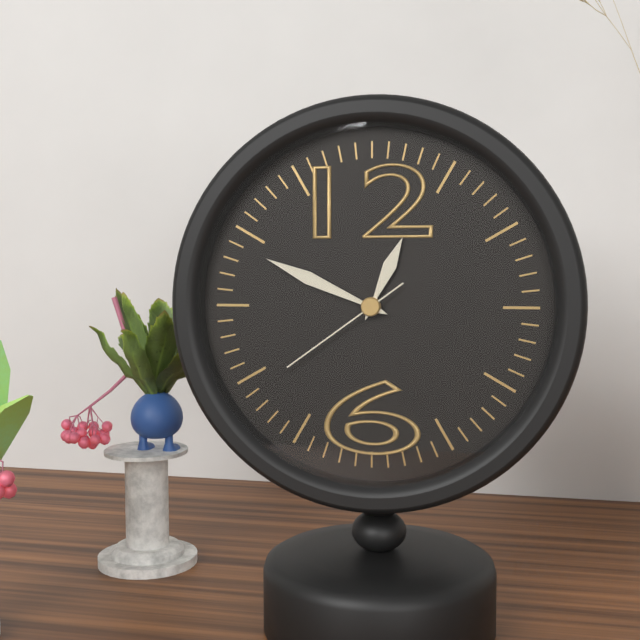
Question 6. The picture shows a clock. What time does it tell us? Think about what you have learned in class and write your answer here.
12:49:39
